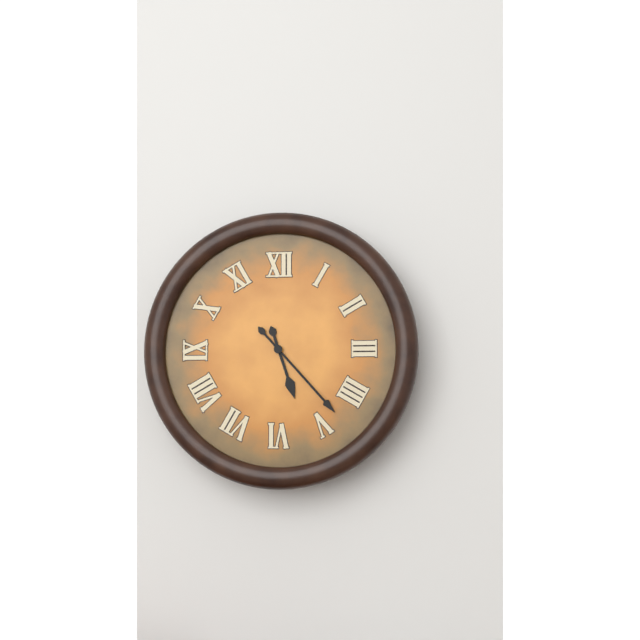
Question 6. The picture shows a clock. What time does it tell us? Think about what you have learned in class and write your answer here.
5:23
